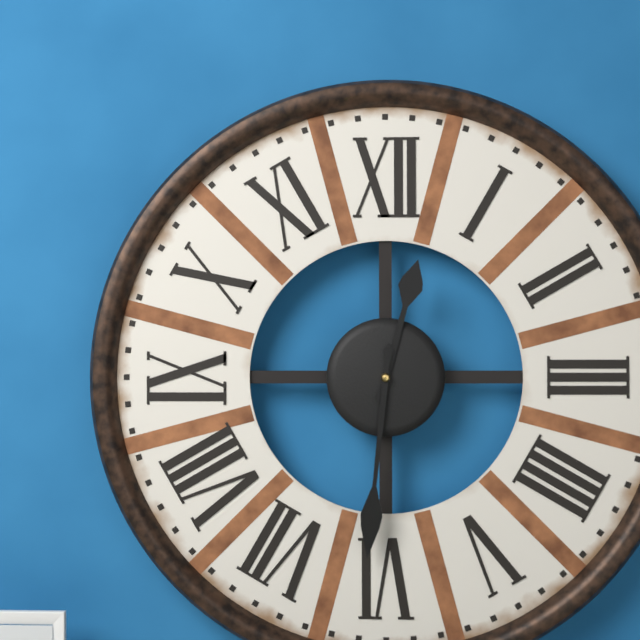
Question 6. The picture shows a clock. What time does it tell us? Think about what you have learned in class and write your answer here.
12:31
